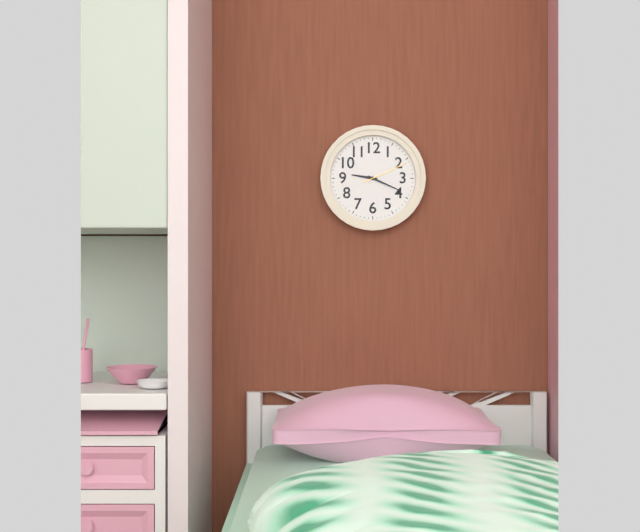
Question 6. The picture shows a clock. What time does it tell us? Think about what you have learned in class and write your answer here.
9:19
